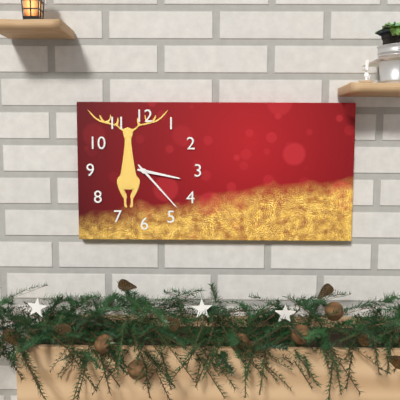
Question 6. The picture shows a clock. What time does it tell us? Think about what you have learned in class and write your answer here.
3:23
